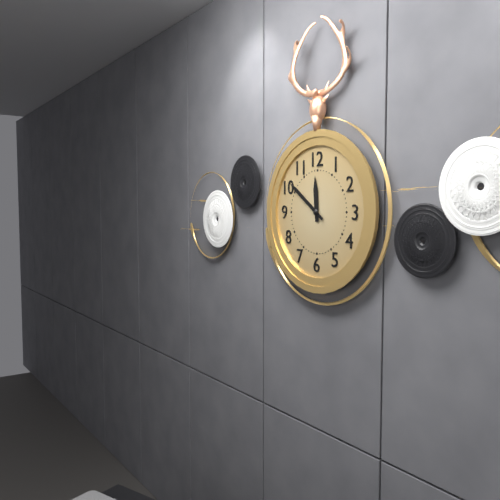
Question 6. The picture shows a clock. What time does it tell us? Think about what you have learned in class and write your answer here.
11:51
